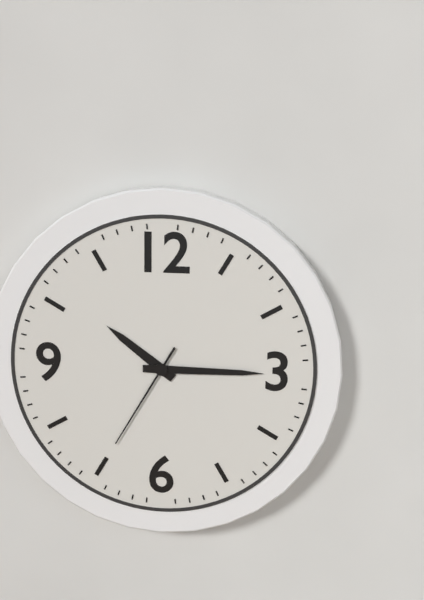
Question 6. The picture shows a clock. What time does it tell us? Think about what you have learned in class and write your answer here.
10:15:35
